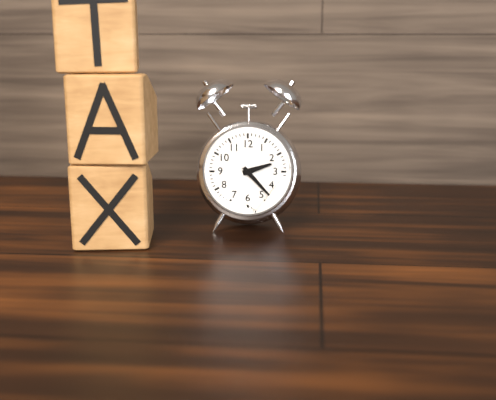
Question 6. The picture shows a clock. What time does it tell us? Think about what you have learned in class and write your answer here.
2:23
